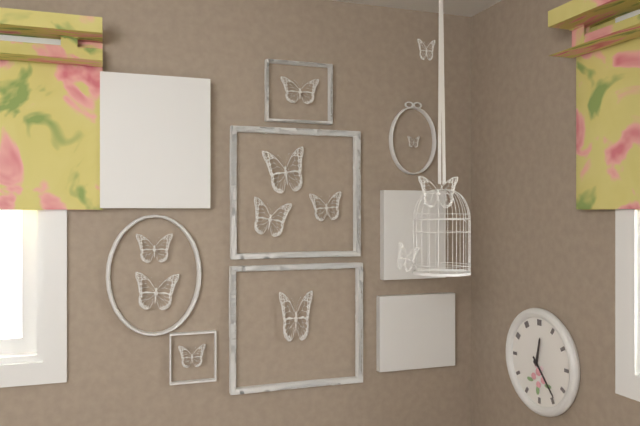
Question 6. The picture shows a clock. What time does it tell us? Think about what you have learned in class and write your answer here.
12:23
